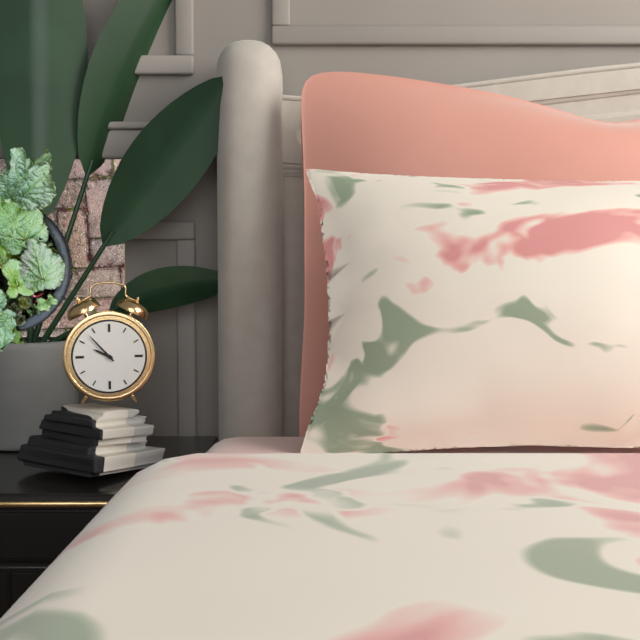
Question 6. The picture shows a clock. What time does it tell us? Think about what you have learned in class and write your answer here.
9:53
